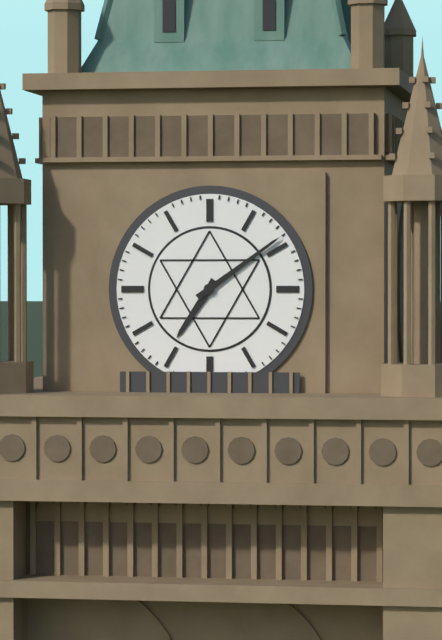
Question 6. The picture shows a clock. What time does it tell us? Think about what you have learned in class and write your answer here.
7:09
